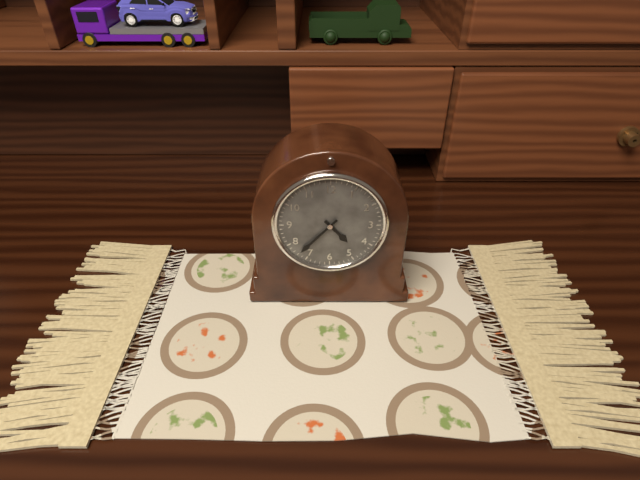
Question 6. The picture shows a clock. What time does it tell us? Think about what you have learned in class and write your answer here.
4:37
